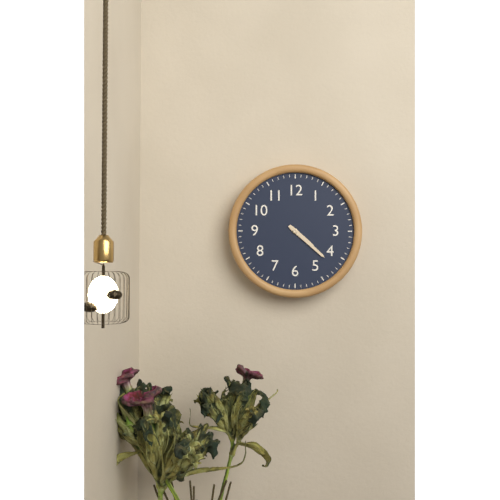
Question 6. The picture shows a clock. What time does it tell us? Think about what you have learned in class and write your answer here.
4:22
